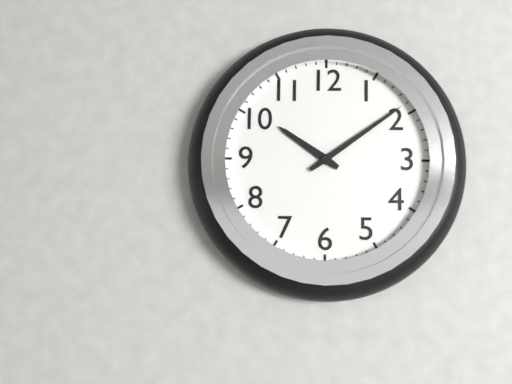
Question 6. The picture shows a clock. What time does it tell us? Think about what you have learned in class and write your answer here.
10:09
